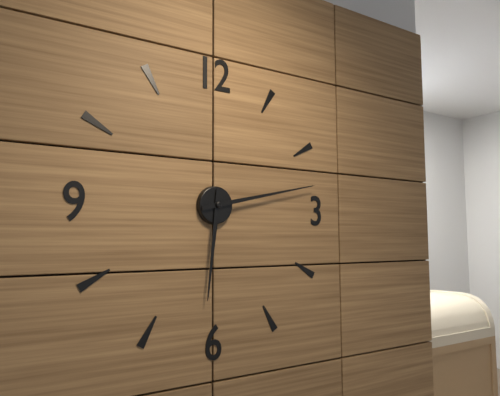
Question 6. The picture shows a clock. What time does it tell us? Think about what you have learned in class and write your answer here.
6:13
